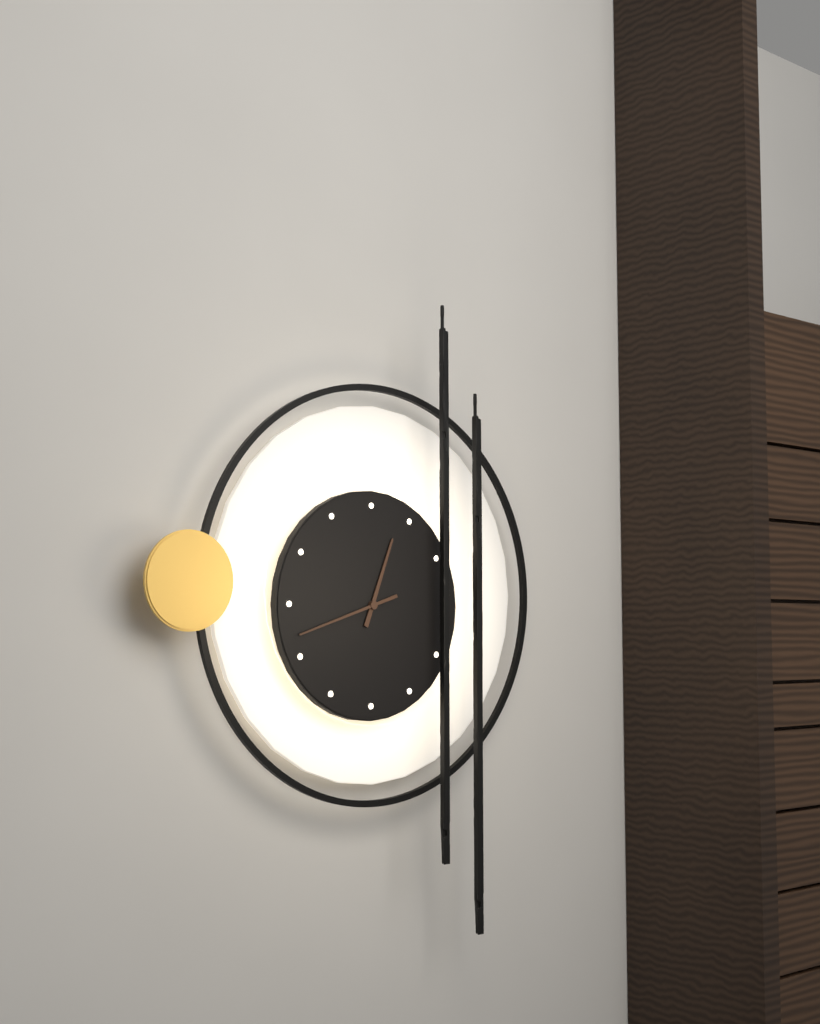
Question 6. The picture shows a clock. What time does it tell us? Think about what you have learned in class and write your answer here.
12:42
